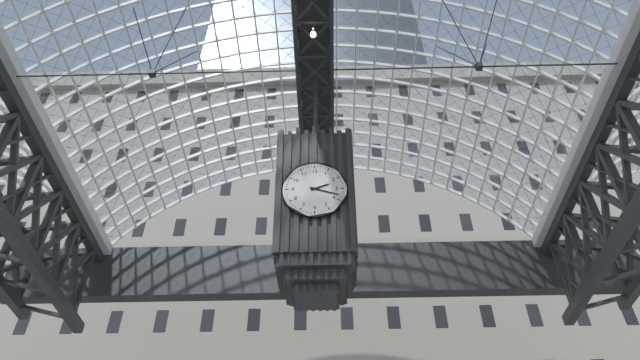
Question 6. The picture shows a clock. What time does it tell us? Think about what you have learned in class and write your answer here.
2:18
